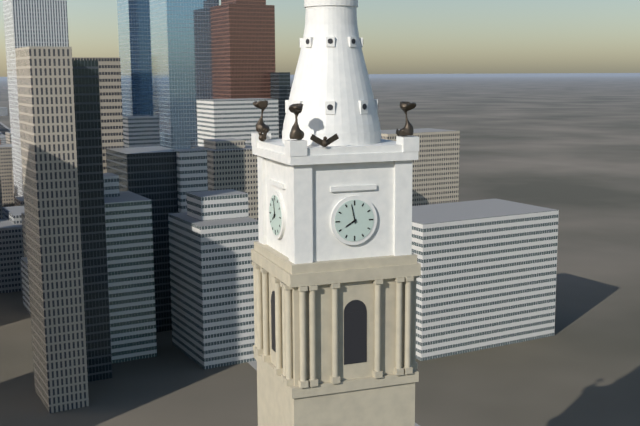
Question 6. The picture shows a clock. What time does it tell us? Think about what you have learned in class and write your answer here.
7:58
